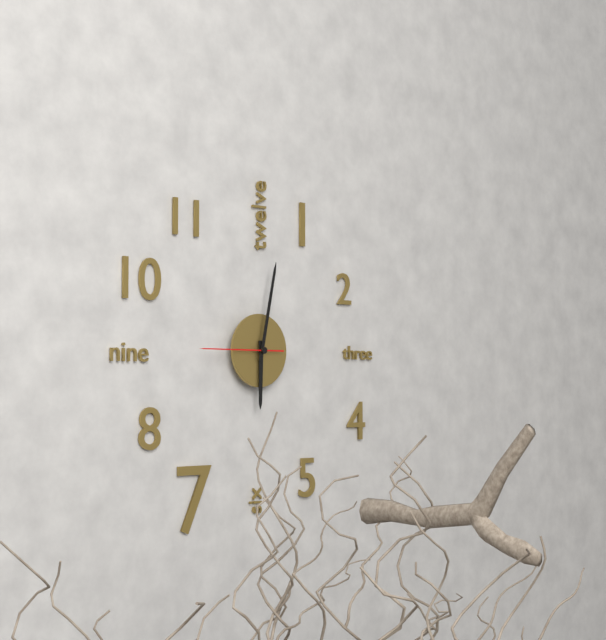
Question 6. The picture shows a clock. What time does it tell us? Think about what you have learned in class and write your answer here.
6:02:45
